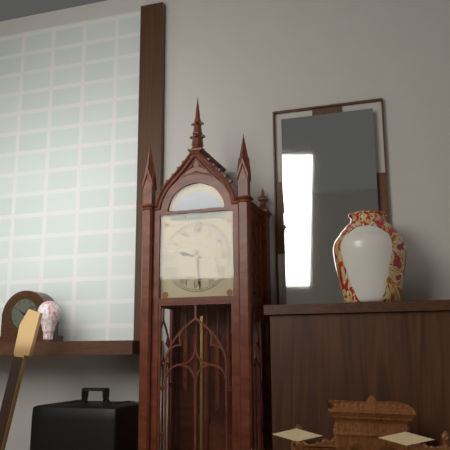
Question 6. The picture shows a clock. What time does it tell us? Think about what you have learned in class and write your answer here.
9:29
